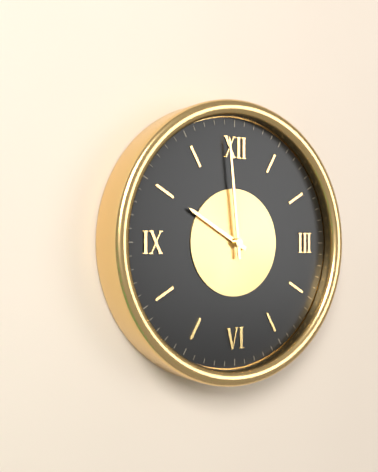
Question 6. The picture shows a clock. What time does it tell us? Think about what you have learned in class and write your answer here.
9:59
